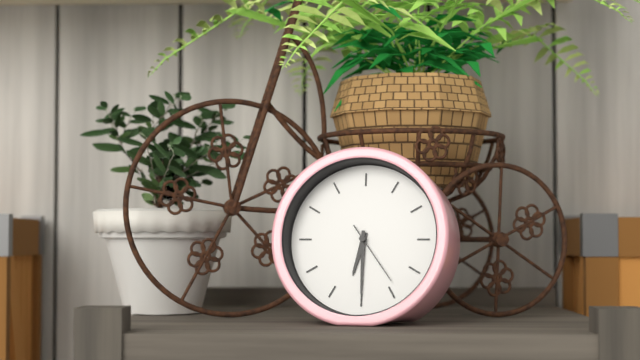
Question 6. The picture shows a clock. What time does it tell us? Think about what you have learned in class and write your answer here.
6:30:24
